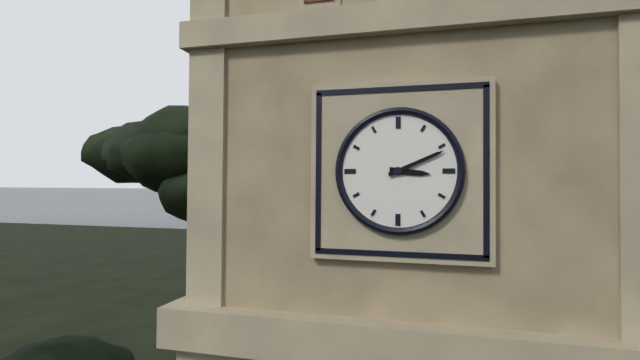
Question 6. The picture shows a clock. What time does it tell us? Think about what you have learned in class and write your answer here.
3:11
